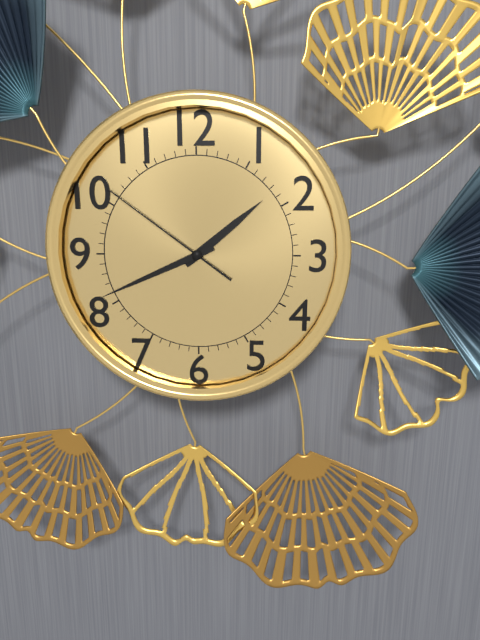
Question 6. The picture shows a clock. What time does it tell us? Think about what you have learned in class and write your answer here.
1:41:51
